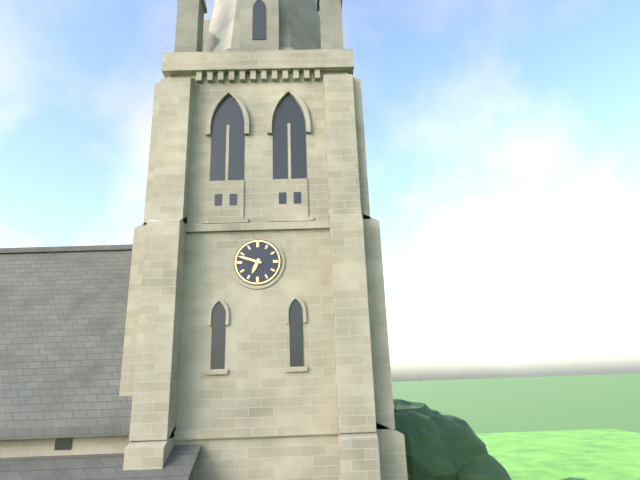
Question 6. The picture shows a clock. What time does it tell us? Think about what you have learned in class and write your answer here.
6:48
